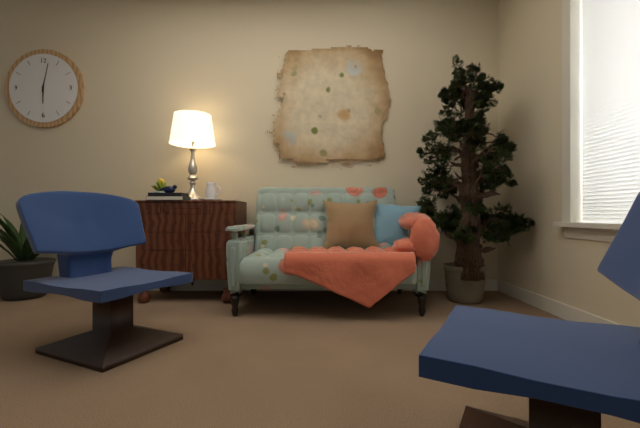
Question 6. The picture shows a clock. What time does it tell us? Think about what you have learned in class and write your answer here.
6:02
